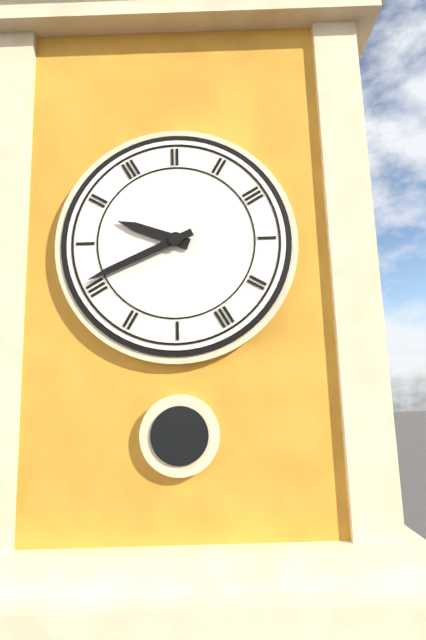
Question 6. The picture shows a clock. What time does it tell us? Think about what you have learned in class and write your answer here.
9:41
